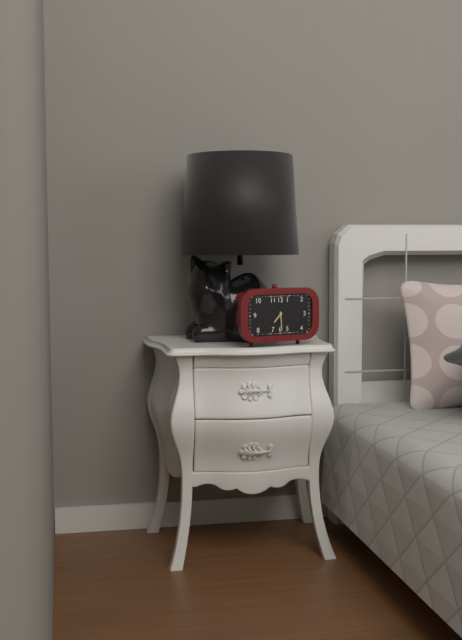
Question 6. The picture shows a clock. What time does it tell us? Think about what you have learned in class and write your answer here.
7:29
